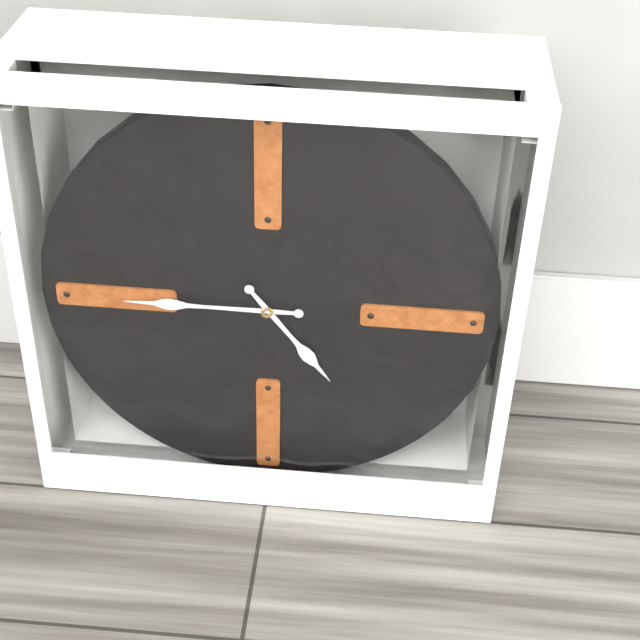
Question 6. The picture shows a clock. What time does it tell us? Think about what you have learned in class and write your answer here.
4:45
